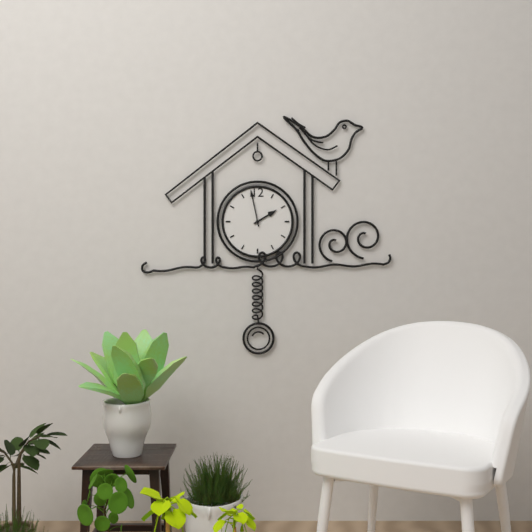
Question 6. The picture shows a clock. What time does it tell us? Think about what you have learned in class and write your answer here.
1:58
